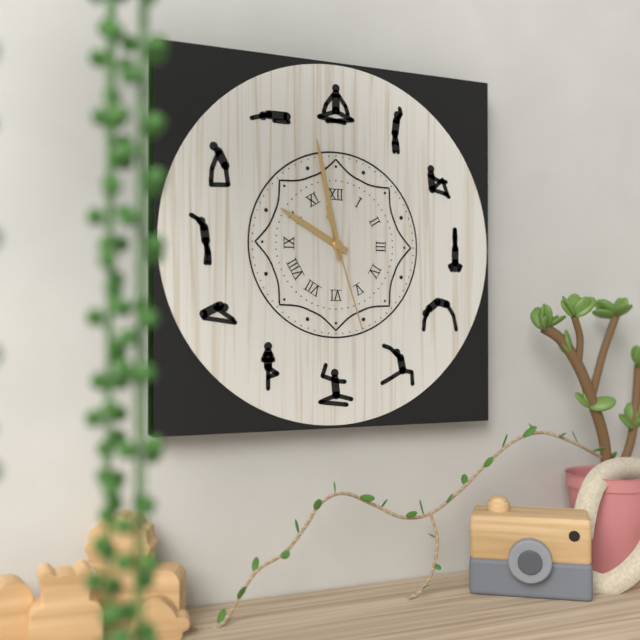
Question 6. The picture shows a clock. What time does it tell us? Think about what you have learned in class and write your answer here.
9:58:27
